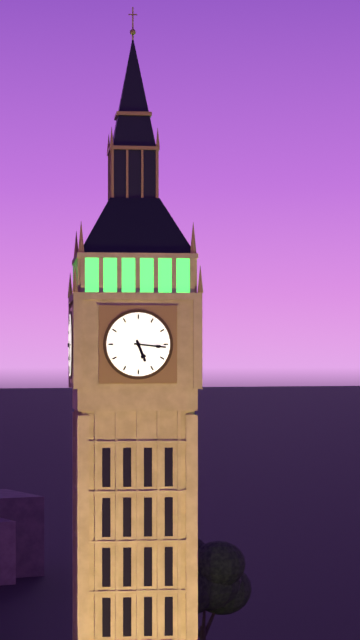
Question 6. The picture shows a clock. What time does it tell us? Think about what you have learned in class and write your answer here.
5:16
